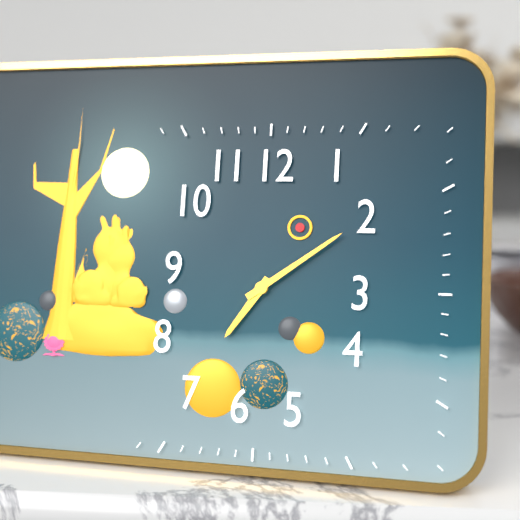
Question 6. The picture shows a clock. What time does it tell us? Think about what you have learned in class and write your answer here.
7:09
